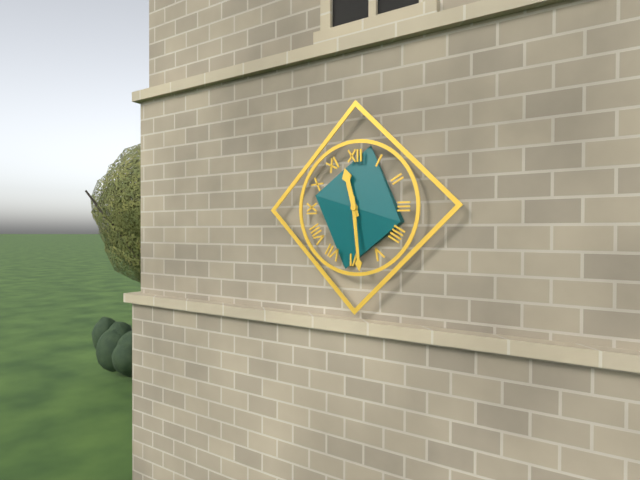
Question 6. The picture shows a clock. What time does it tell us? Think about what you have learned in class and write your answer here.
11:29
